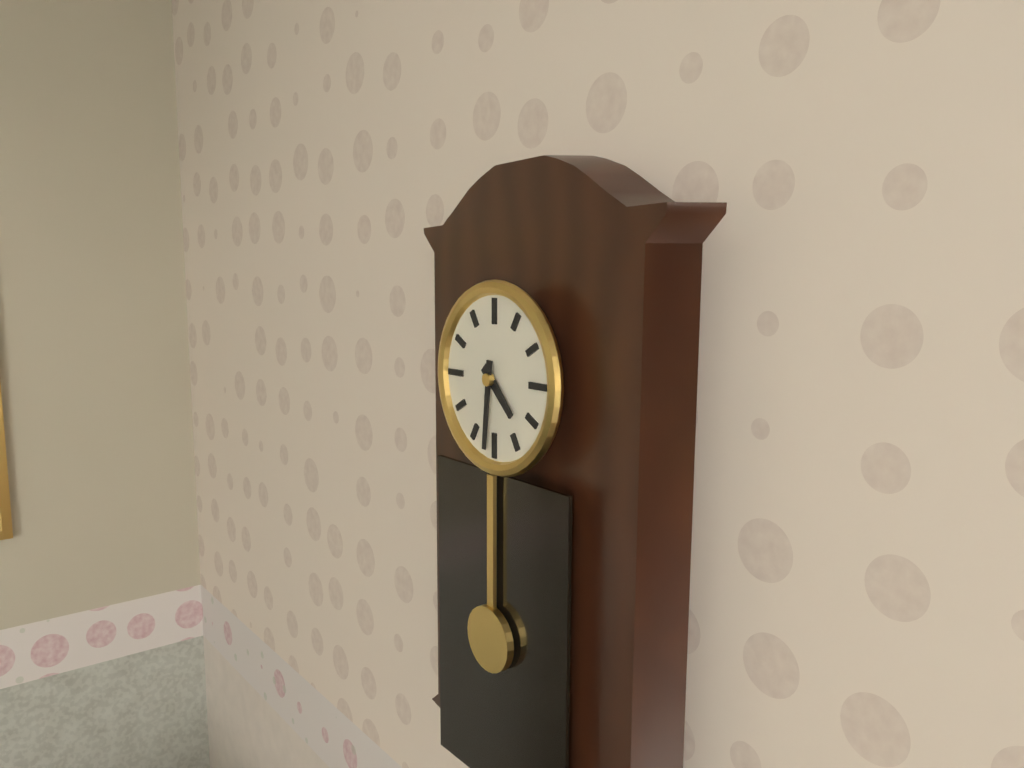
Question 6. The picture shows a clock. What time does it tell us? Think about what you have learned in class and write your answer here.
4:31
